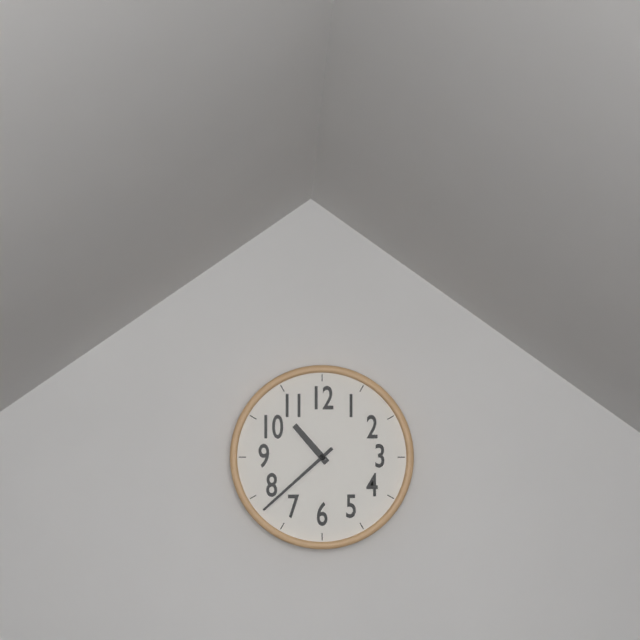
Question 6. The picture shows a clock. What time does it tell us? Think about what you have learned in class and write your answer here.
10:38
